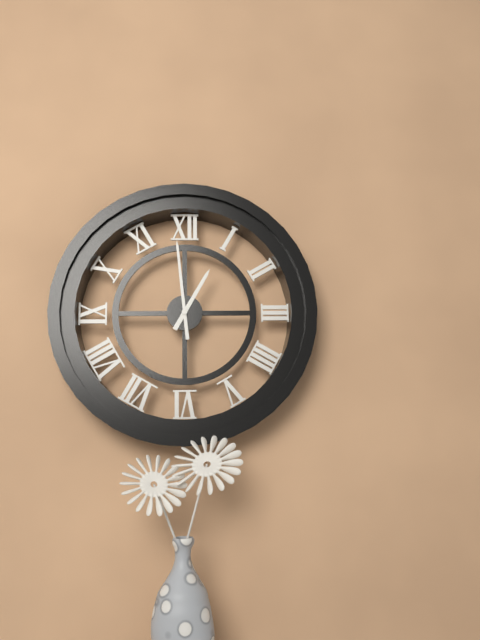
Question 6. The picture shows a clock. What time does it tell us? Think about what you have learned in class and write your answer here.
12:59
